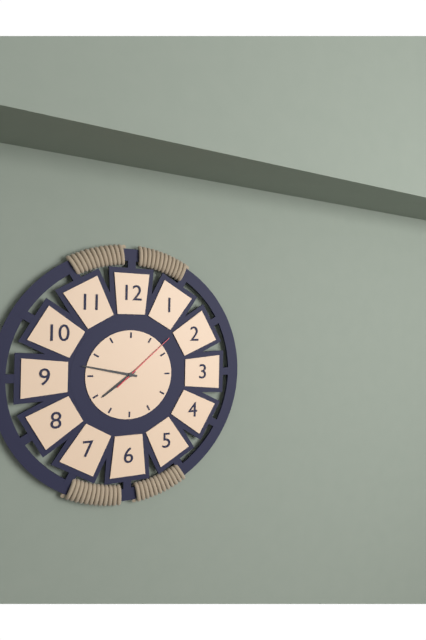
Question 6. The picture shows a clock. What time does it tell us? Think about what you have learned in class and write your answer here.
7:47:08
